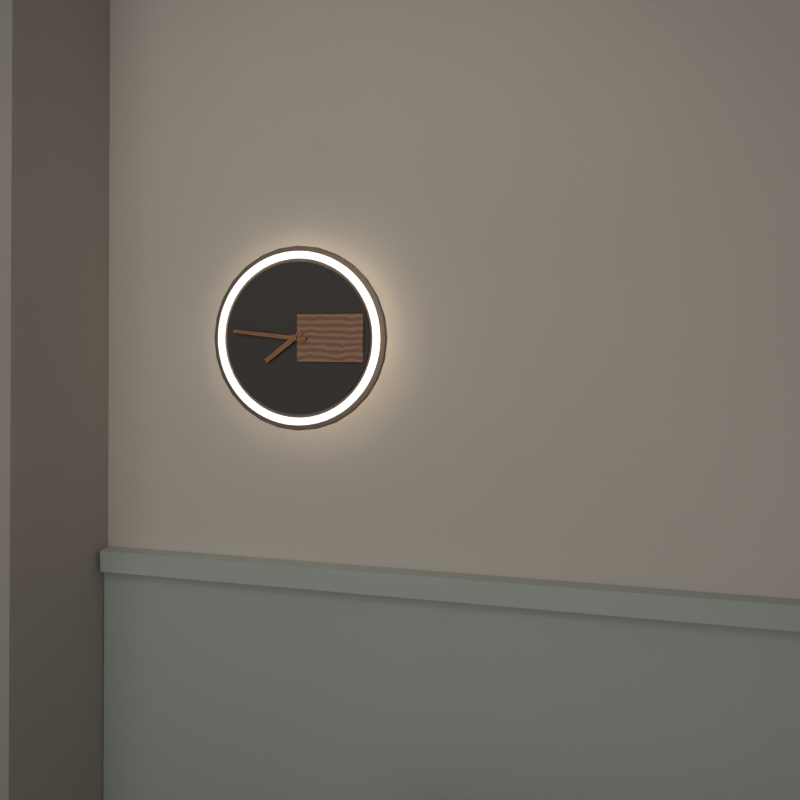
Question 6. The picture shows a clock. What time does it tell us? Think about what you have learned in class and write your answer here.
7:46
